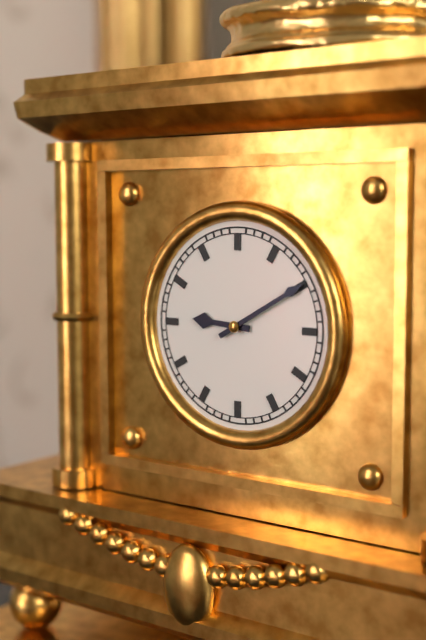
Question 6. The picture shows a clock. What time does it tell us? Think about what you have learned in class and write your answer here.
9:10
